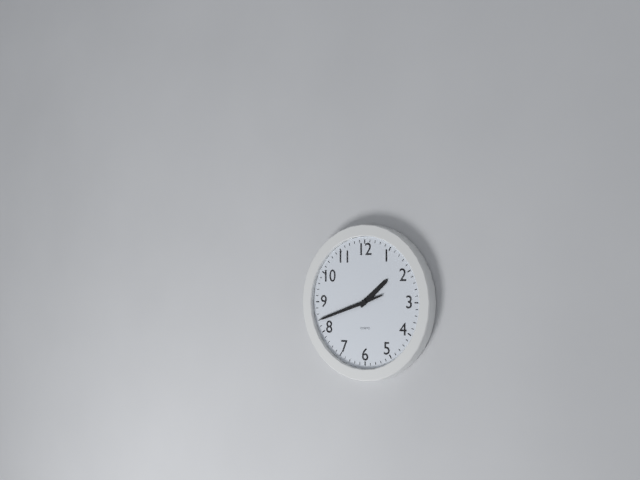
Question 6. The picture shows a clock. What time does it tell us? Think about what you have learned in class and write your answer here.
1:42
